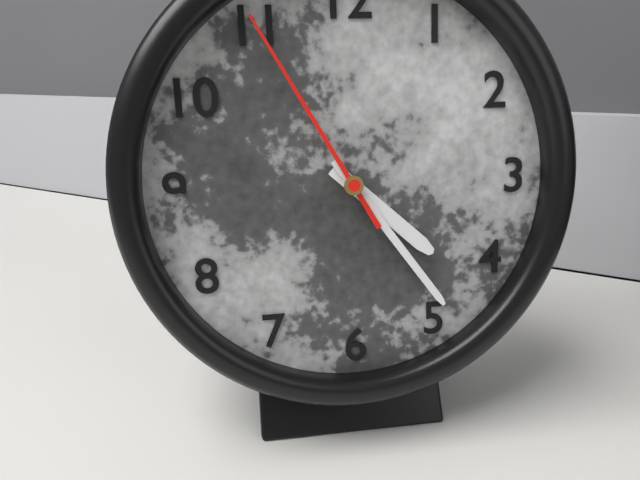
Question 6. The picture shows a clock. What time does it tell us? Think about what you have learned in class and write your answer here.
4:24:55
